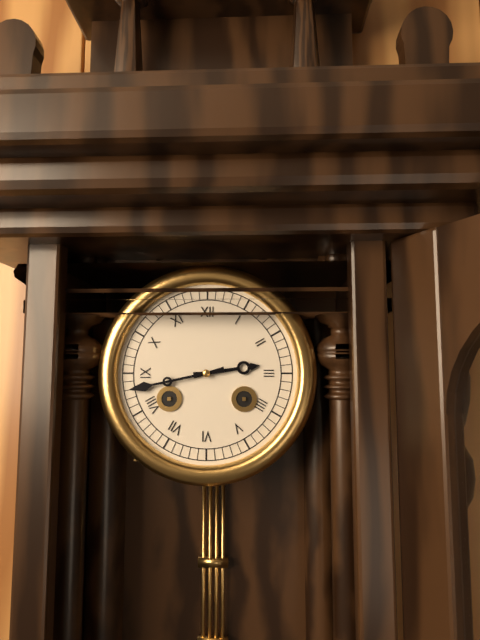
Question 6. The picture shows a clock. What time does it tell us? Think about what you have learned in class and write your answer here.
2:43
